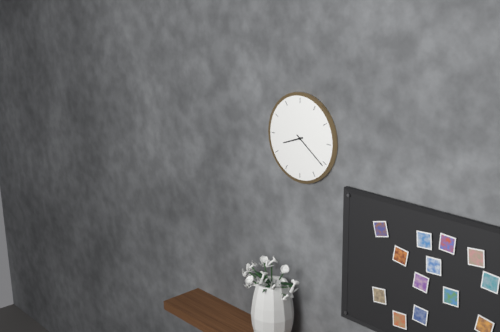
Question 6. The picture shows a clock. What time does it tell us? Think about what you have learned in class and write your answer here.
8:21
